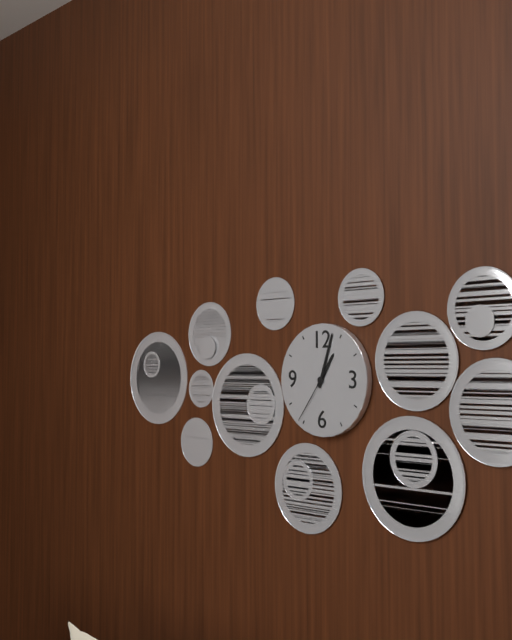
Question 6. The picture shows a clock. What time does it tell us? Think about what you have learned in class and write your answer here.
1:03:36
